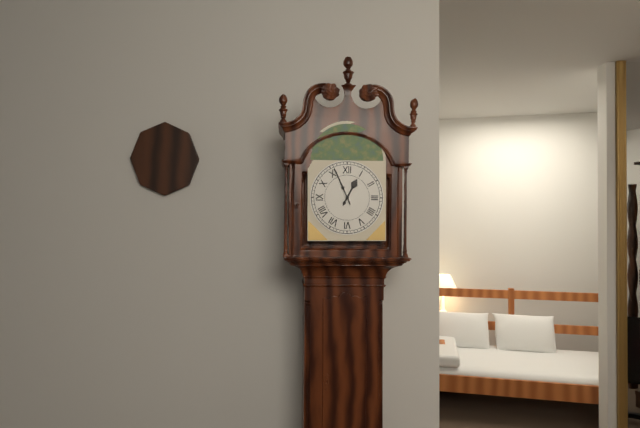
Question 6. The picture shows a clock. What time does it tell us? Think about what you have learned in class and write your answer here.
12:56
